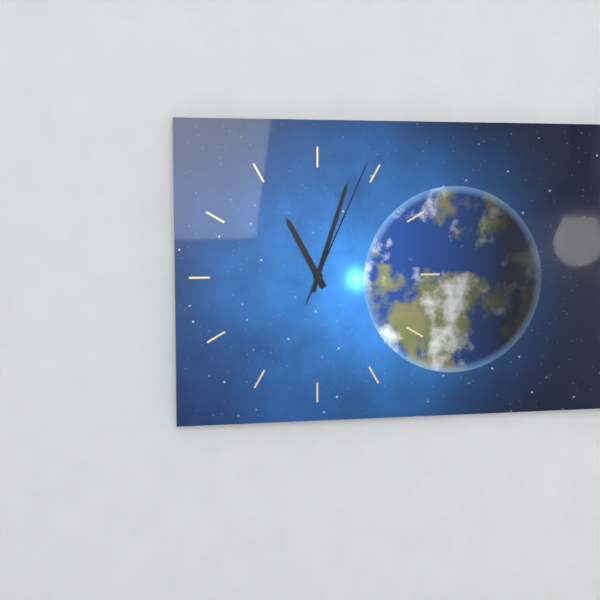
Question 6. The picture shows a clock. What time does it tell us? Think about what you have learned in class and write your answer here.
11:03:04
